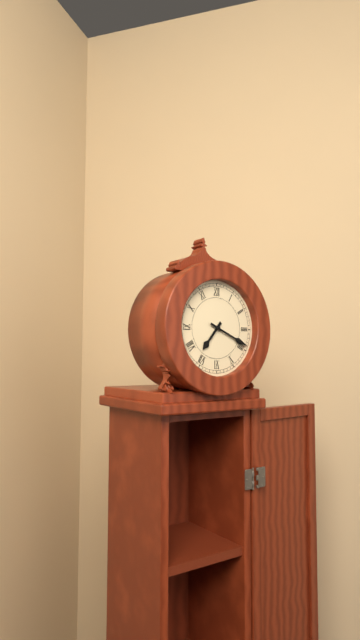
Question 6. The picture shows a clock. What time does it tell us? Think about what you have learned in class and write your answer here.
7:19
